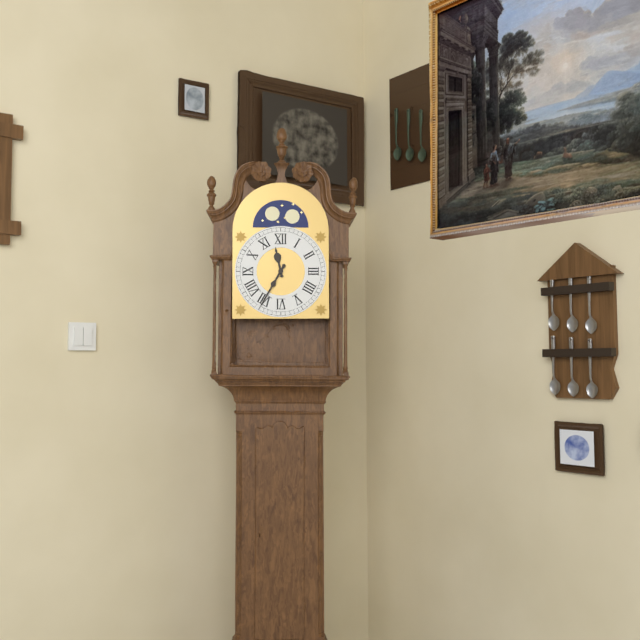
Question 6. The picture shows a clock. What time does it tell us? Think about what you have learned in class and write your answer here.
11:35
